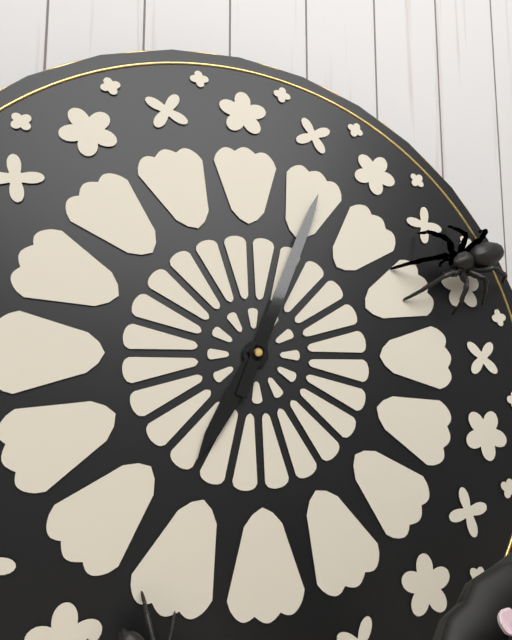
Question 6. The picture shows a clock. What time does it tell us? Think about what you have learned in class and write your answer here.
7:04
